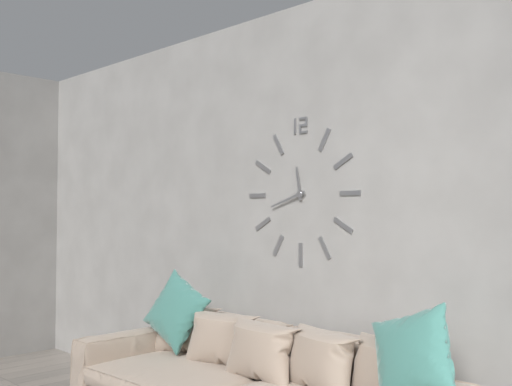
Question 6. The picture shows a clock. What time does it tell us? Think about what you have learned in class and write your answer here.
11:42
